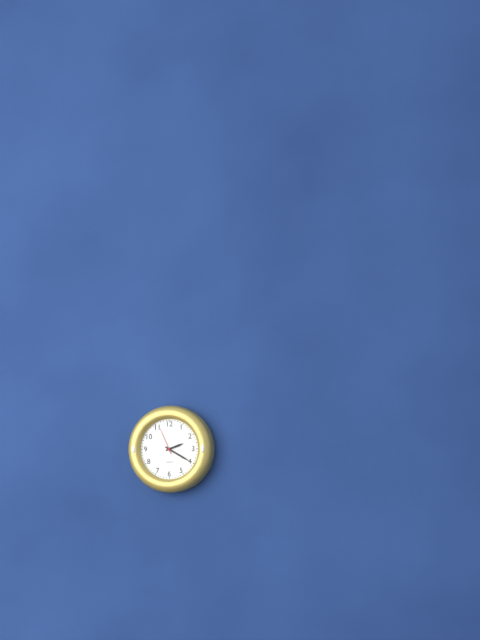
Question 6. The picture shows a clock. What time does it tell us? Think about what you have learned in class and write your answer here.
2:20
